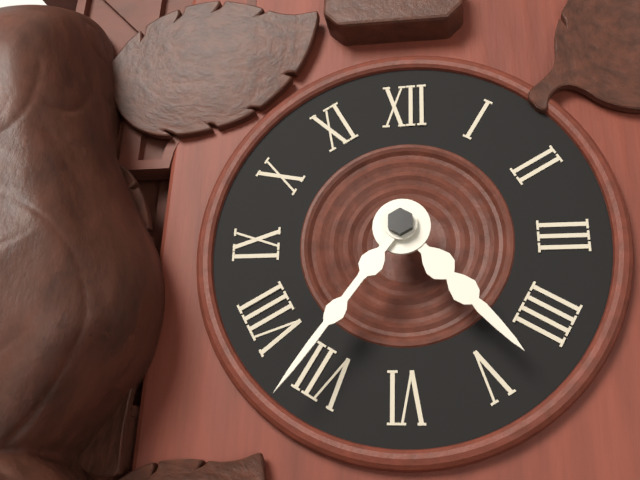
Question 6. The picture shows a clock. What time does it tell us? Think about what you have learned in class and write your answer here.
4:36
